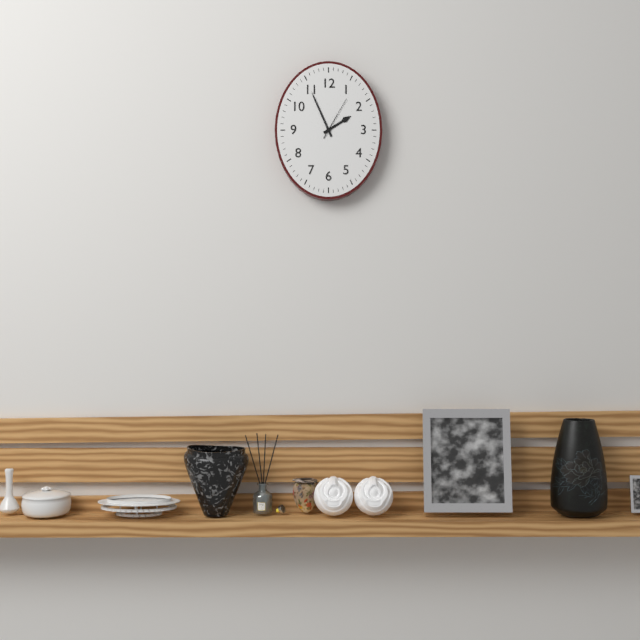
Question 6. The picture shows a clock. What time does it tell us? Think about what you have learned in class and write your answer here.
1:56
